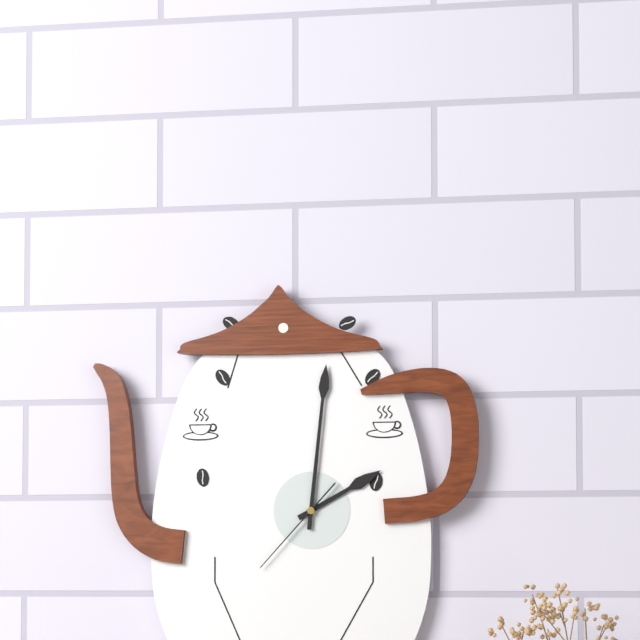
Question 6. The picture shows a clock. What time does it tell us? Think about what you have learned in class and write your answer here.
2:01:37
